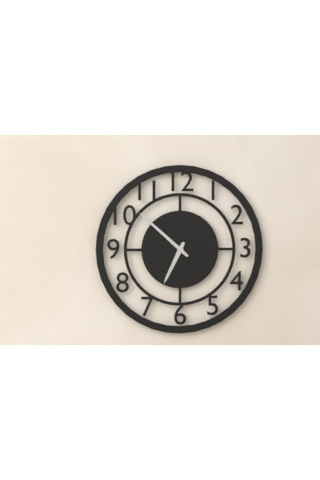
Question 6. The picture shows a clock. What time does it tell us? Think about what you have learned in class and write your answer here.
6:52
